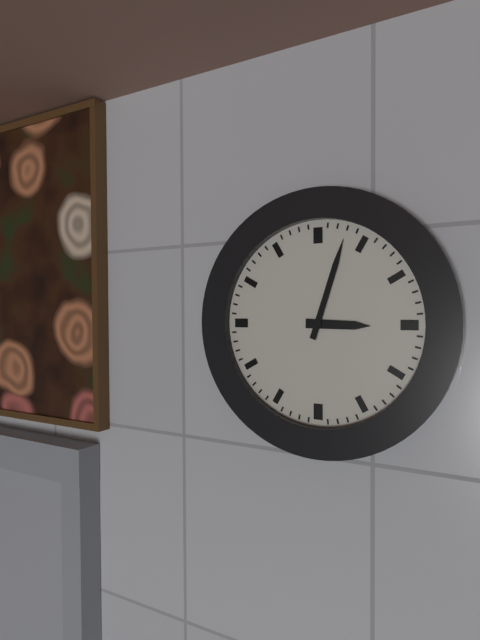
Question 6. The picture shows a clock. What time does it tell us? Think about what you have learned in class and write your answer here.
3:03
